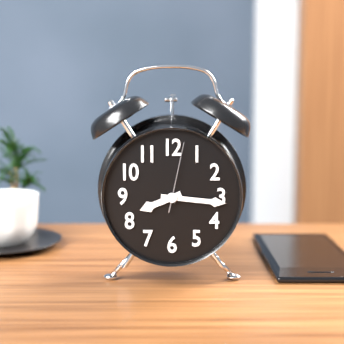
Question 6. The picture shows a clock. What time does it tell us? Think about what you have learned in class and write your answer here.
8:16:02
